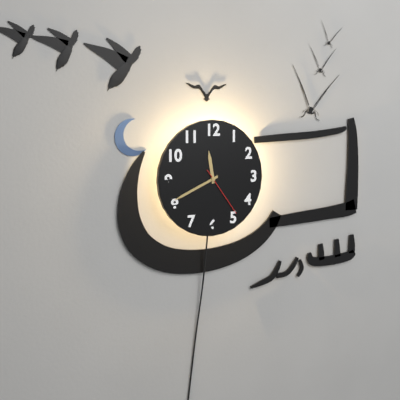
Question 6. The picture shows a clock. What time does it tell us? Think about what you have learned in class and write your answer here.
11:41:24
